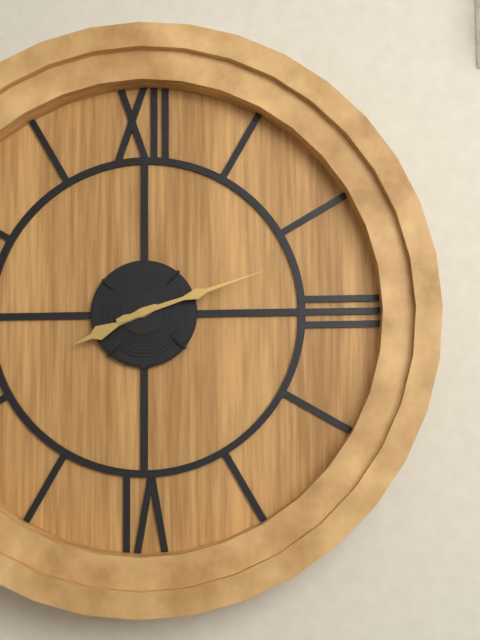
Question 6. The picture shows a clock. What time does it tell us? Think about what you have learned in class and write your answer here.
8:12
